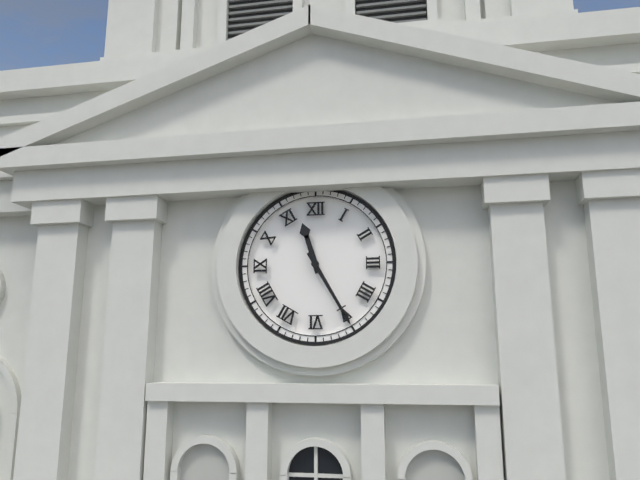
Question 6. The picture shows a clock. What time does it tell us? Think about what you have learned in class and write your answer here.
11:25
